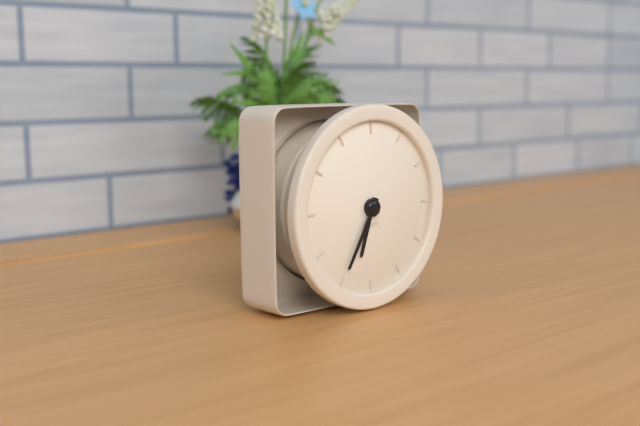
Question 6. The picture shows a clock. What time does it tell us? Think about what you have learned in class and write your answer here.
6:35
